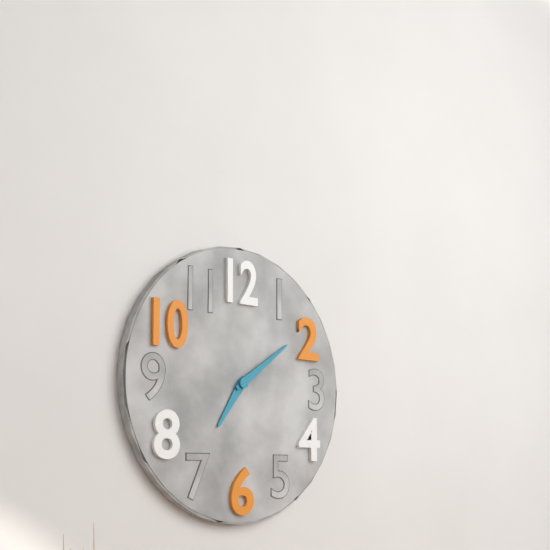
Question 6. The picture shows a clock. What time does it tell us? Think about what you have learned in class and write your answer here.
7:09
